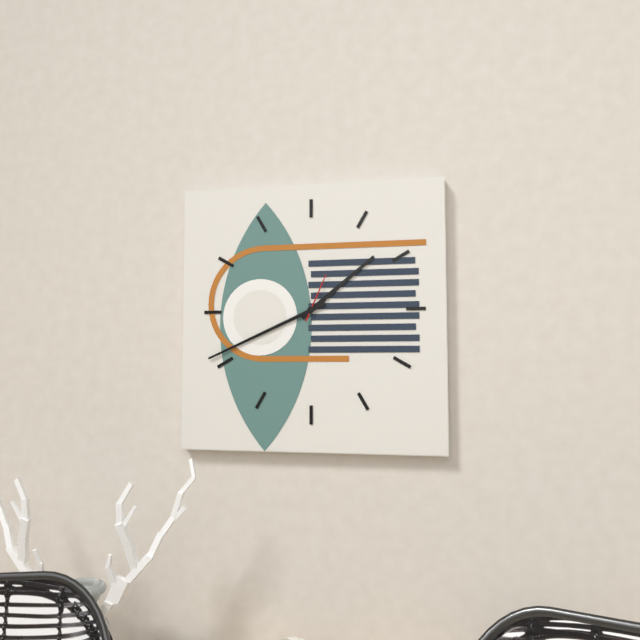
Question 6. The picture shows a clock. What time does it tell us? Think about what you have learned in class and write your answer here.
1:41
